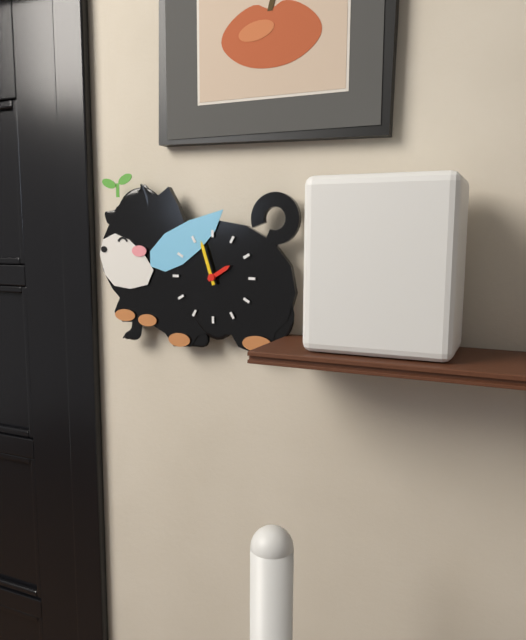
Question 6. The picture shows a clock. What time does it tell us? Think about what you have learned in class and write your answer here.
1:57
